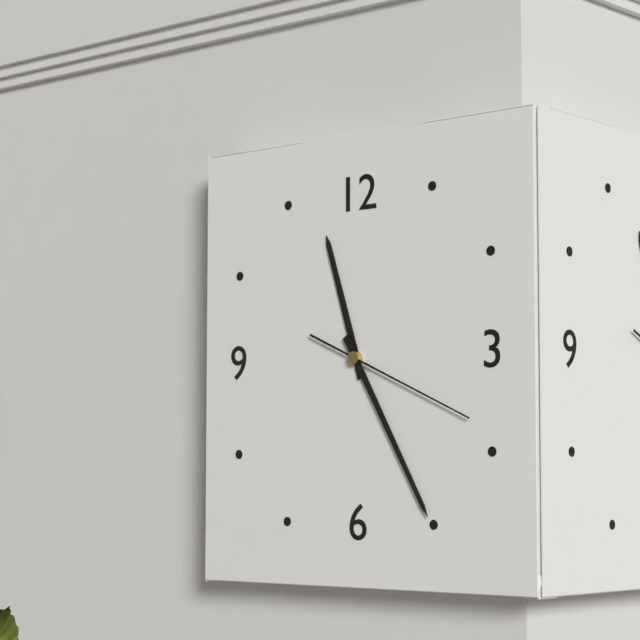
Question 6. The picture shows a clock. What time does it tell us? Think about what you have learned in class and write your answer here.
11:25:19
